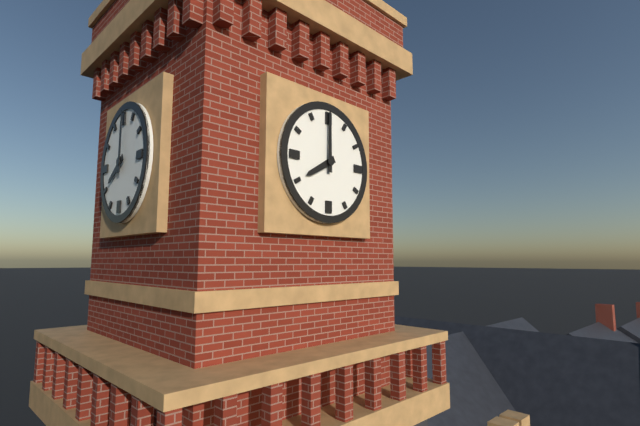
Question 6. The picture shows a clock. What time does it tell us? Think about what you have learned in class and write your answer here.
8:00
